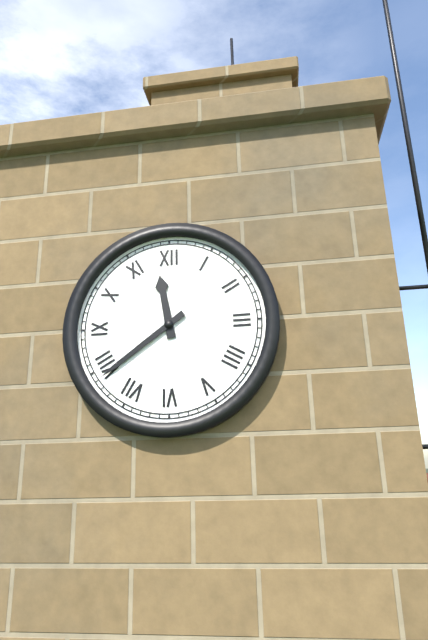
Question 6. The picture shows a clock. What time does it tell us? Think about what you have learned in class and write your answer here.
11:39
